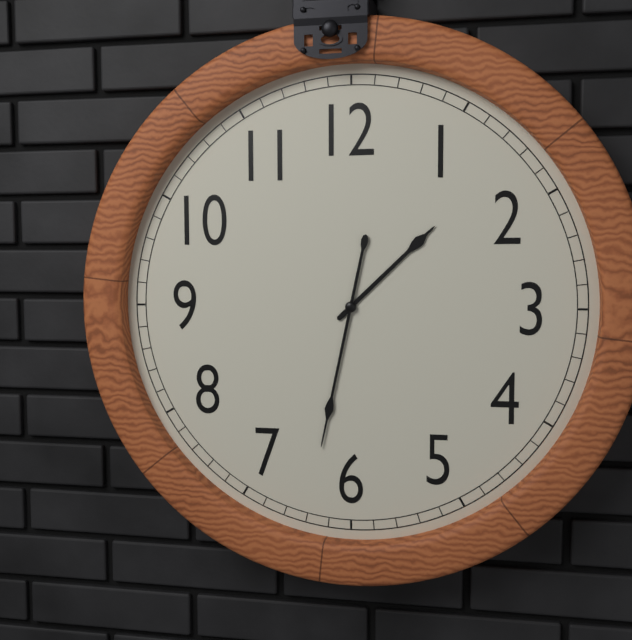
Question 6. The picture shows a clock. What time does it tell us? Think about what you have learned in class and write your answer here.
1:32
